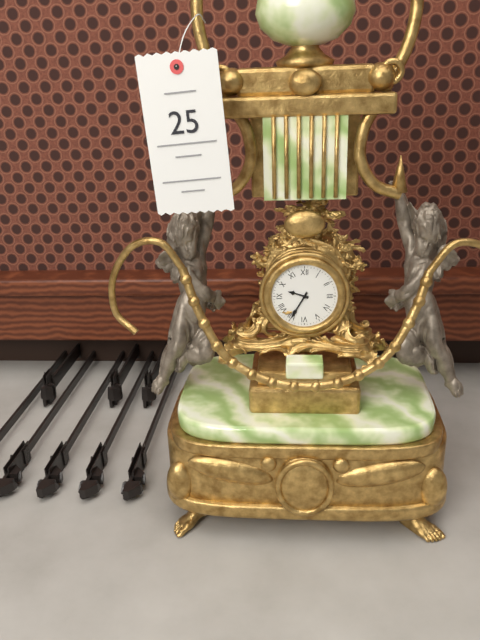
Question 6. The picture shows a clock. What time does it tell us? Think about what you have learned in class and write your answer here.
9:35
